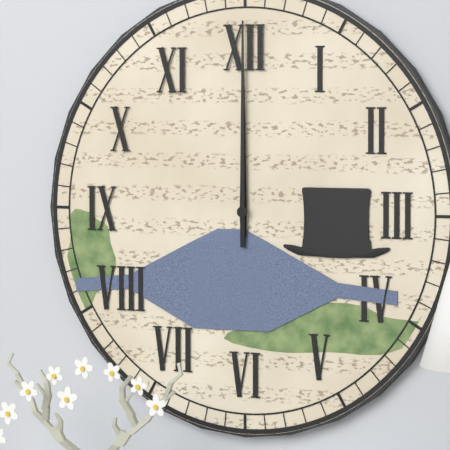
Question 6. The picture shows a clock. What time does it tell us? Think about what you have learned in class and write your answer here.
12:00
